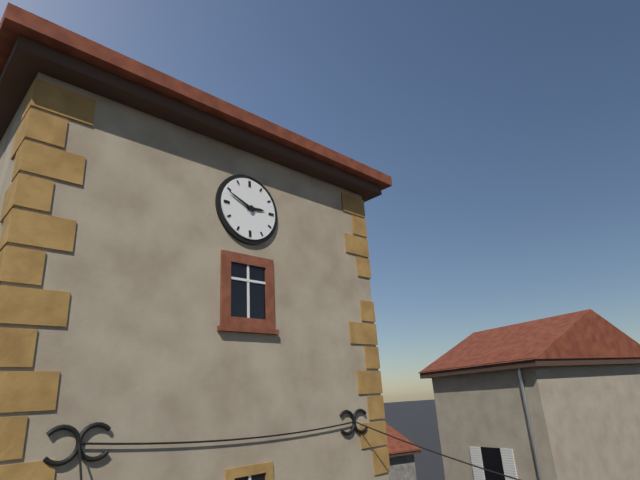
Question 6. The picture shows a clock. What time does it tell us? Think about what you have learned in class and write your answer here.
2:49
